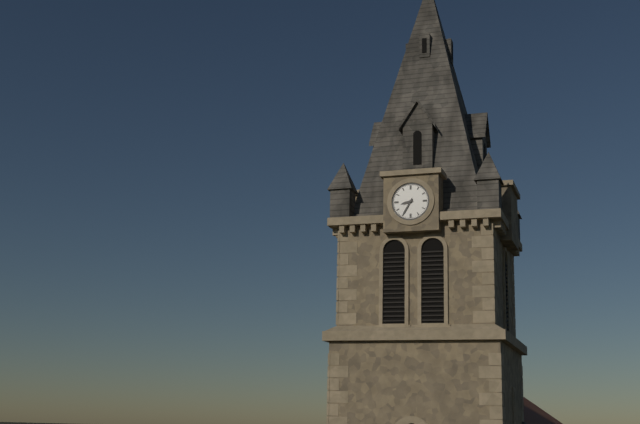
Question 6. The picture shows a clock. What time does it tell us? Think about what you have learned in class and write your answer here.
8:35
